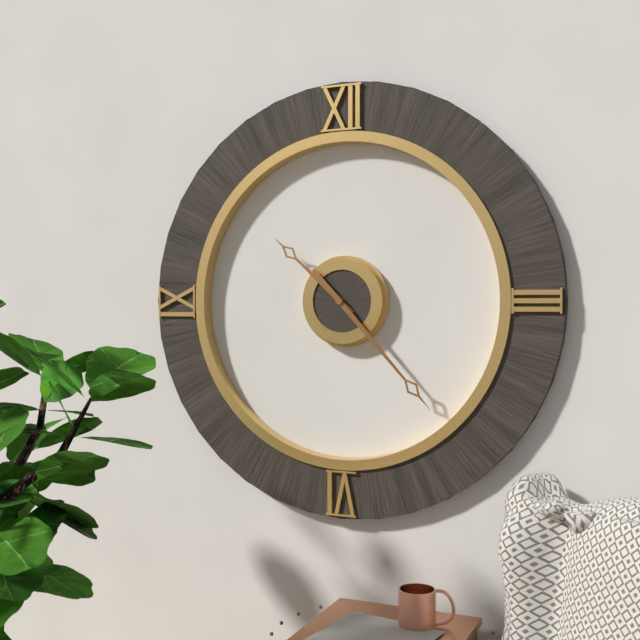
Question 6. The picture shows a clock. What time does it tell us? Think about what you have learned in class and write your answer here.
10:23
